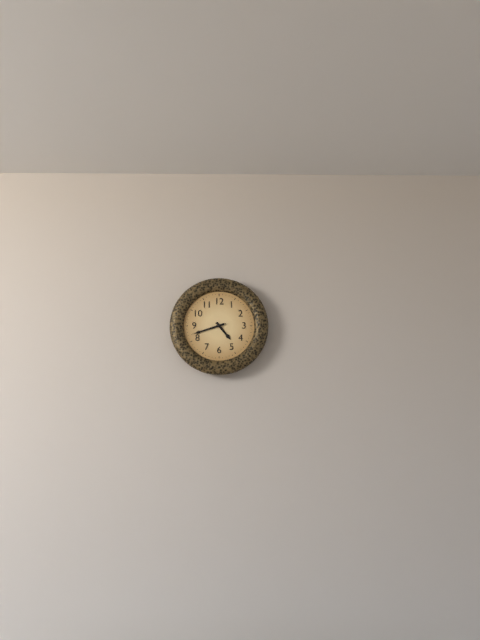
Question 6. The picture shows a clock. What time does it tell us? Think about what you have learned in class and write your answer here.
4:42
